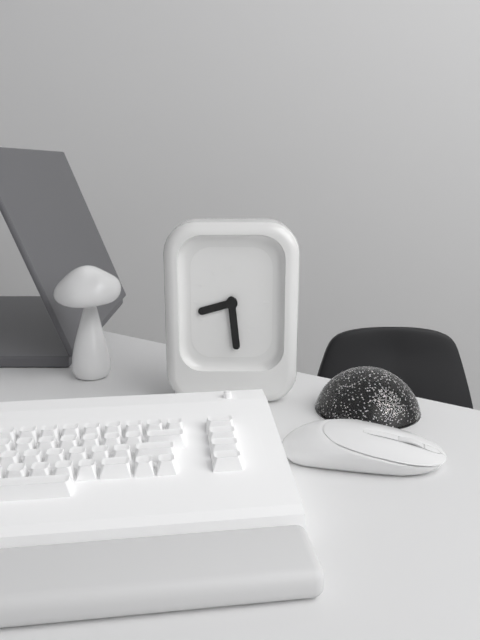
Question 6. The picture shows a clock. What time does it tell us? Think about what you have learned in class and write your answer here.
8:29
